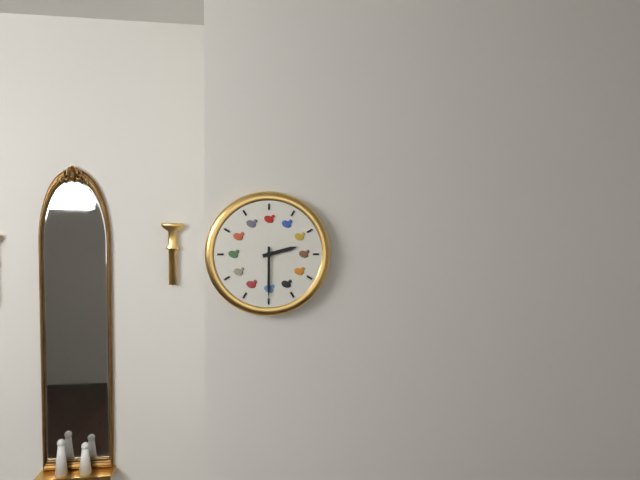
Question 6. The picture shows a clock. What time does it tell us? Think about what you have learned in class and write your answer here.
2:30
